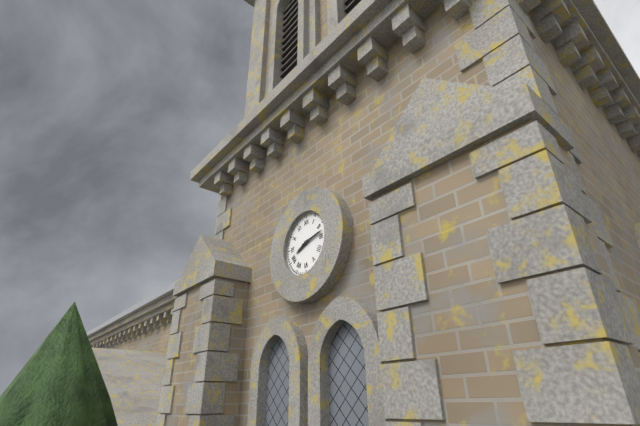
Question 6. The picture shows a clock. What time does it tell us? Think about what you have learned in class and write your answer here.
8:13
